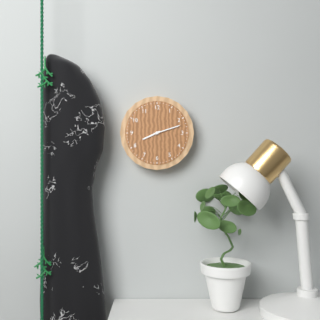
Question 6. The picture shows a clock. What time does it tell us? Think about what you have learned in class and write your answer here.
8:12
